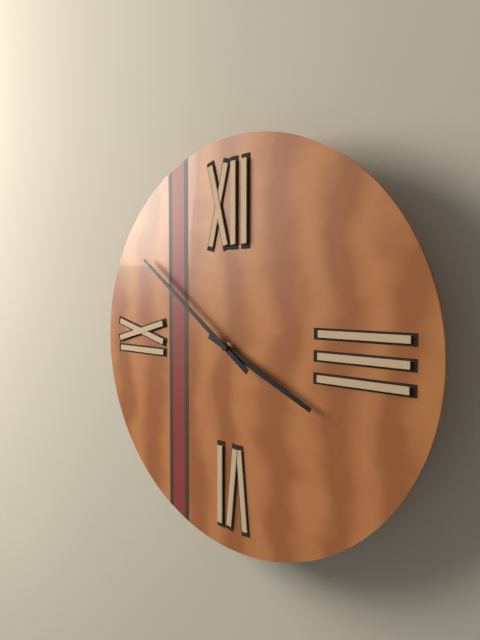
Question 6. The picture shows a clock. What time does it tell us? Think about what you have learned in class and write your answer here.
3:51
